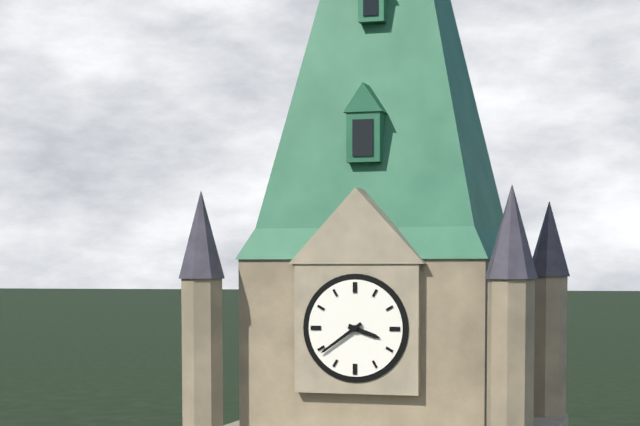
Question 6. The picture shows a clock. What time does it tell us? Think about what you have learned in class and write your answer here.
3:39
